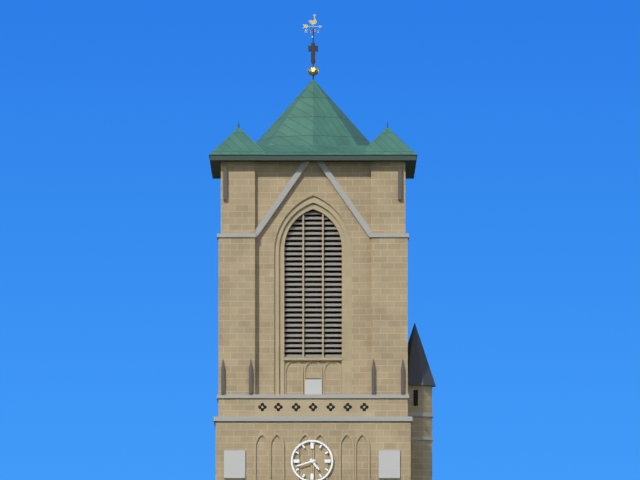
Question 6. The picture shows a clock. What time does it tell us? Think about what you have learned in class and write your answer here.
4:42
